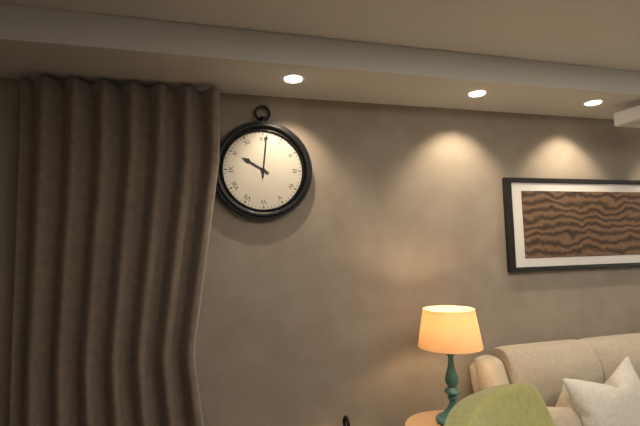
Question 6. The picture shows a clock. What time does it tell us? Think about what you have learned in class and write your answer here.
10:01
